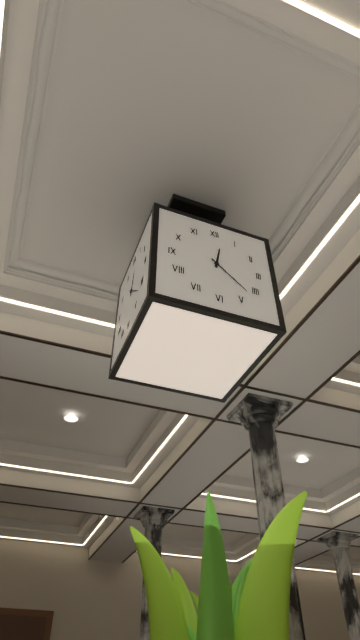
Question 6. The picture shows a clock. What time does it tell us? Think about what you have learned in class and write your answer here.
12:22
